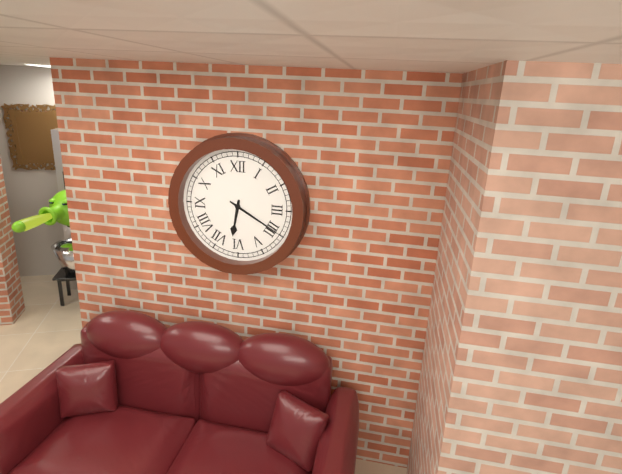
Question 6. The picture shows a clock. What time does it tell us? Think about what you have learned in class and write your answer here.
6:20
